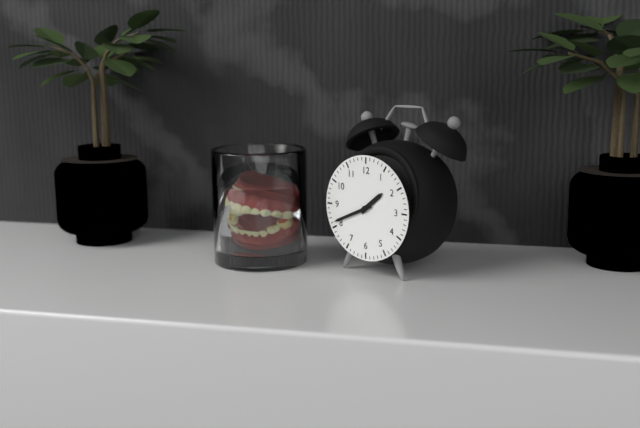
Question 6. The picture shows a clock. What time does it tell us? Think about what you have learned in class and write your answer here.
1:41
